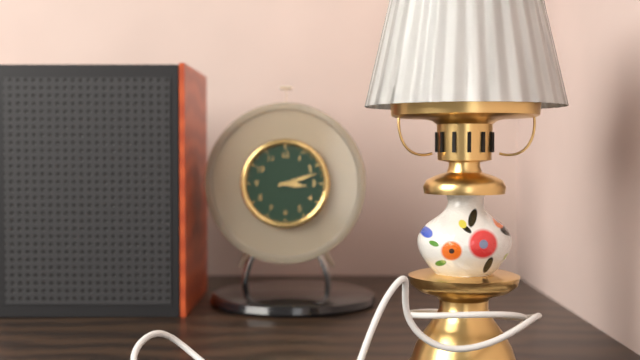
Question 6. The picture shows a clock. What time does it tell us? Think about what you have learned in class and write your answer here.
3:12
